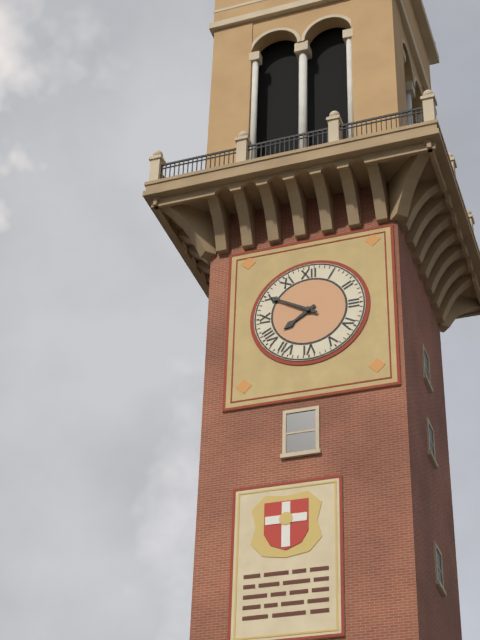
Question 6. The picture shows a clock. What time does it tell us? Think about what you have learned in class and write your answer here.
7:50
